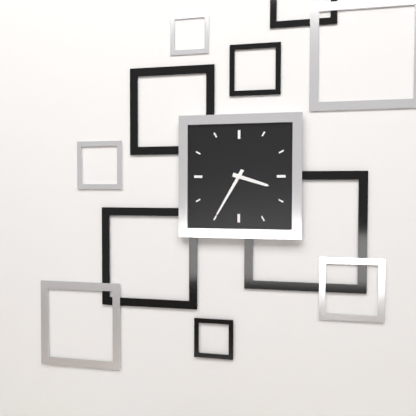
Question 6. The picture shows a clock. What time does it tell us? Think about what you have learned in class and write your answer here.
3:35
